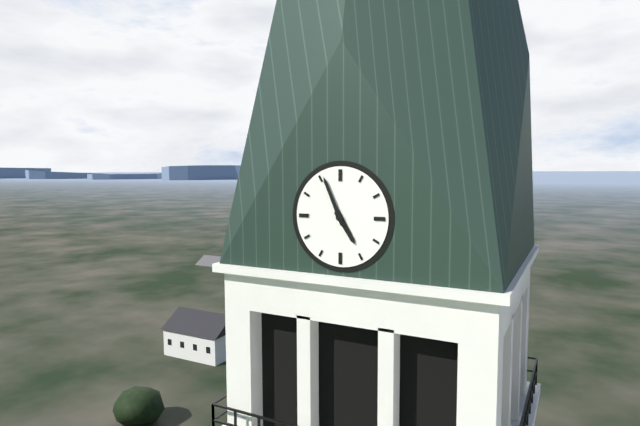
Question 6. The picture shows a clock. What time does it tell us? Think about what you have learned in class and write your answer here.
4:56
